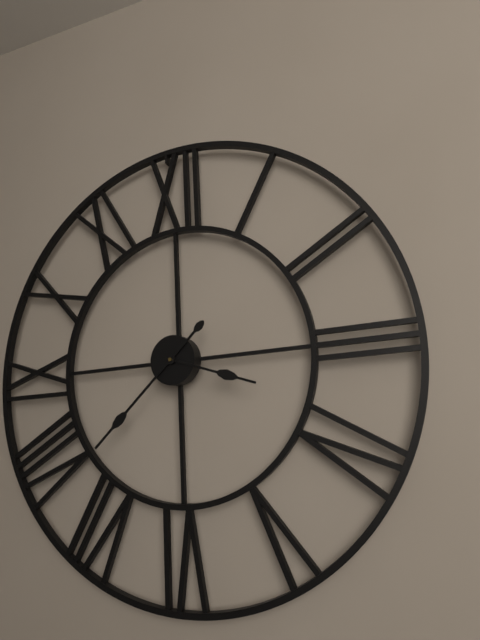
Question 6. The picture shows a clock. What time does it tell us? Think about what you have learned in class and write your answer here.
3:38
